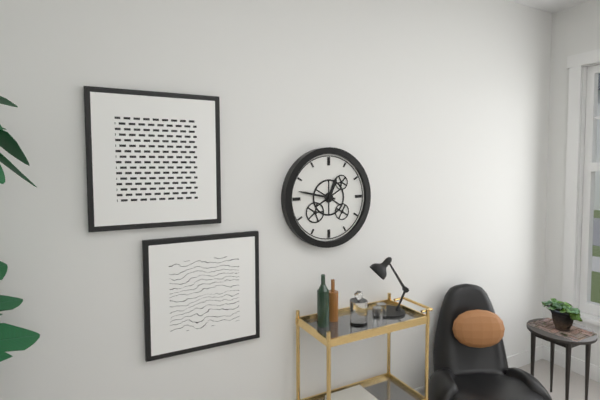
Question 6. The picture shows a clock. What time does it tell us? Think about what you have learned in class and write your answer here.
12:47
